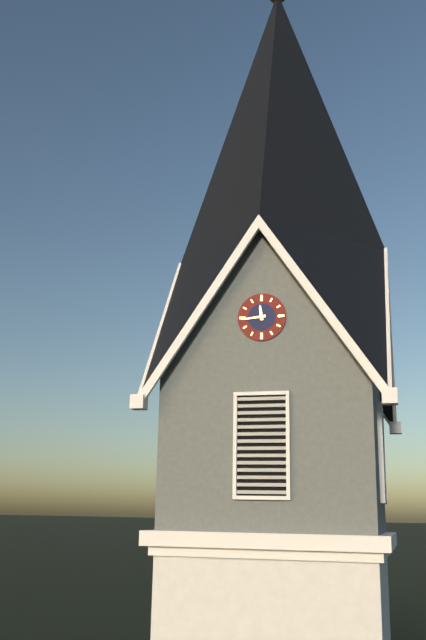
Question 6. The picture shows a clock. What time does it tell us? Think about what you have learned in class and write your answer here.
11:44
